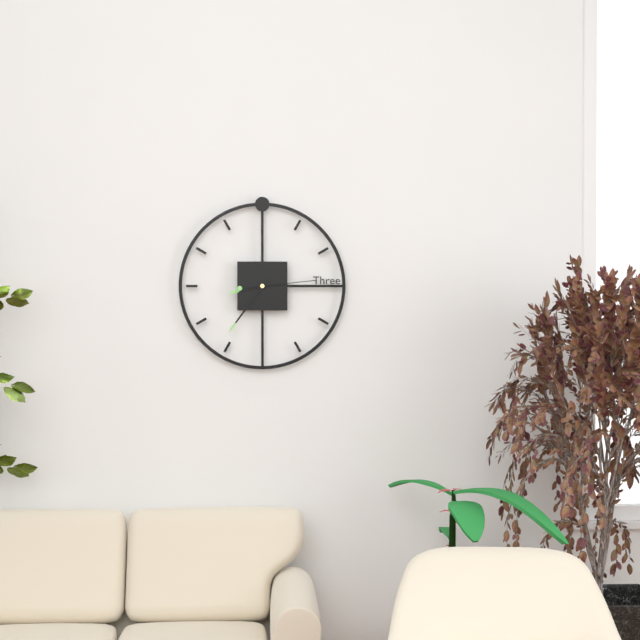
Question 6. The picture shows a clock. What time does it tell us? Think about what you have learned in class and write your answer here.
8:36:14
